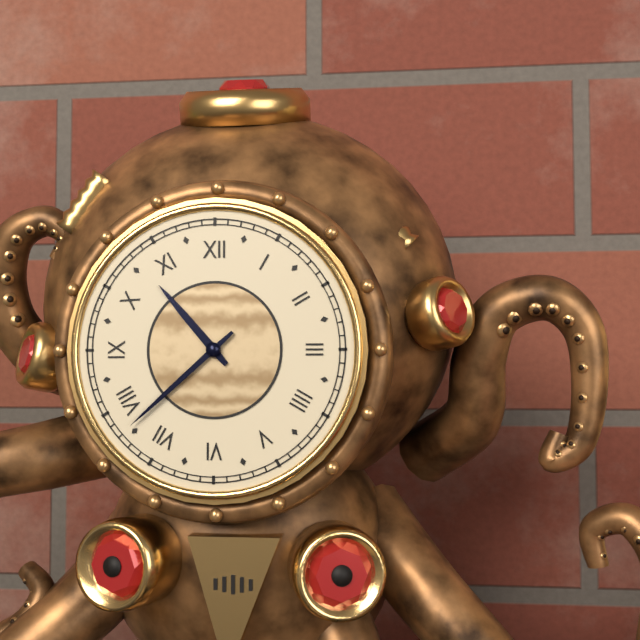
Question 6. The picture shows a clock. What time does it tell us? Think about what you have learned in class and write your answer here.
10:38
